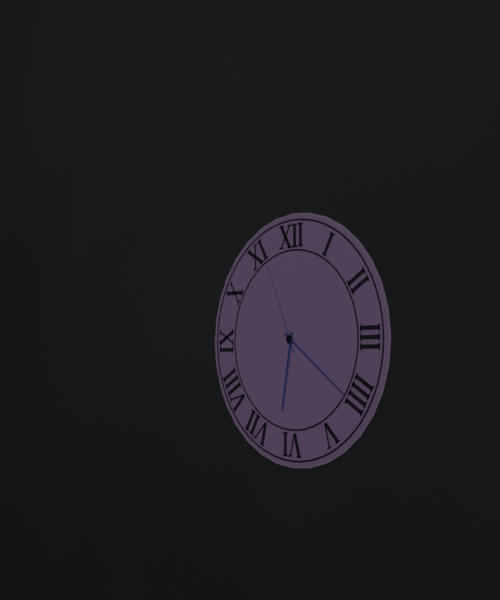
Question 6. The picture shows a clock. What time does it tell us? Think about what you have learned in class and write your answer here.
6:21:56
